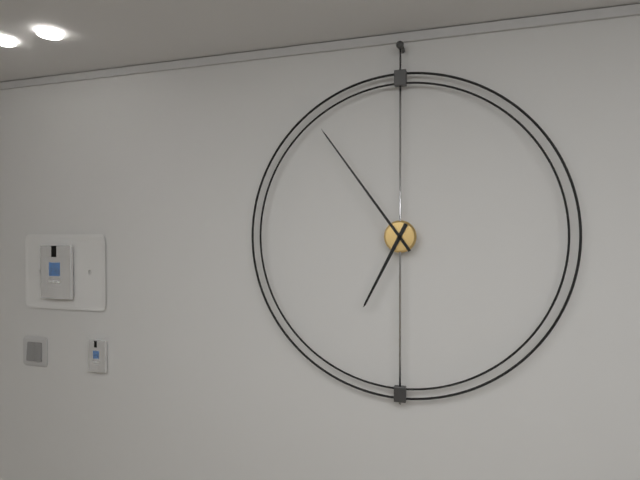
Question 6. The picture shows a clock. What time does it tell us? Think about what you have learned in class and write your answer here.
6:54
